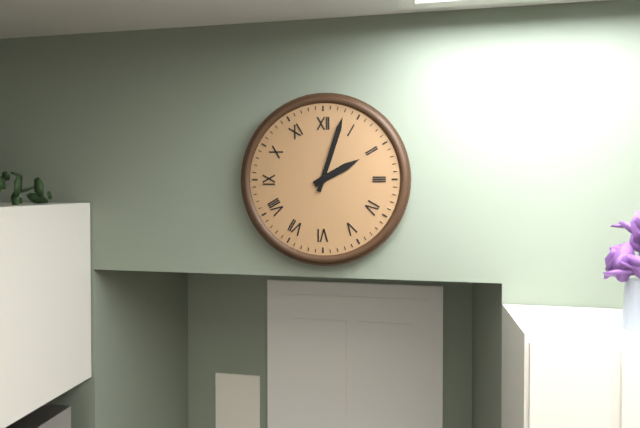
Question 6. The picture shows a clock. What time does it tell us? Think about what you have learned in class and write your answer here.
2:03
